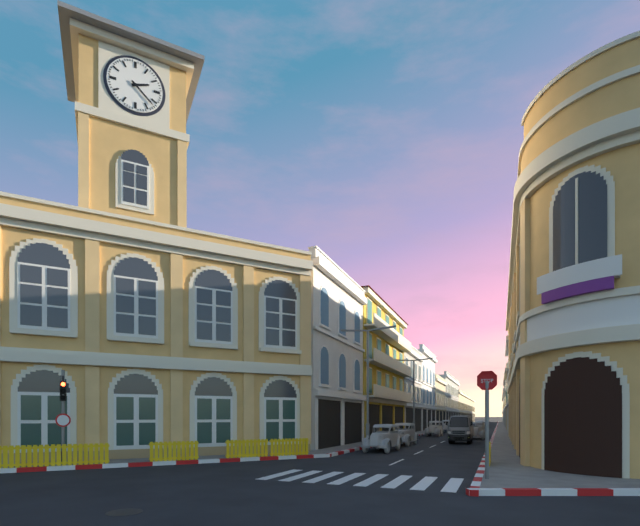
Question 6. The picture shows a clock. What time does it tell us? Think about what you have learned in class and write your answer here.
2:22
